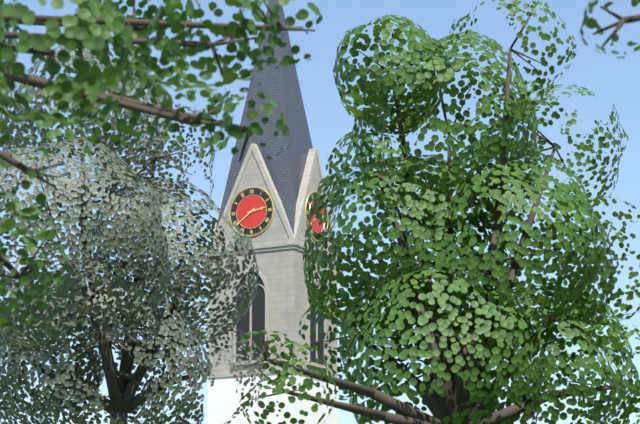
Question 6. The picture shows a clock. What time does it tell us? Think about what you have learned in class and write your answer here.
2:39
